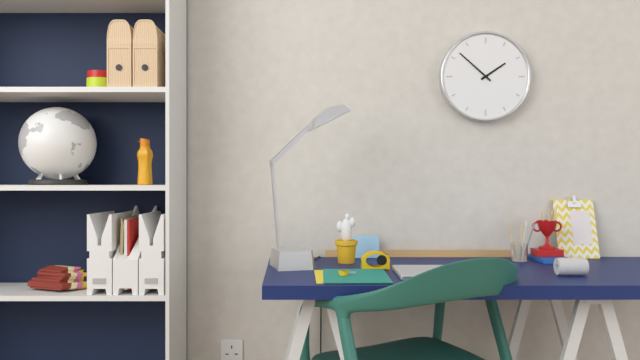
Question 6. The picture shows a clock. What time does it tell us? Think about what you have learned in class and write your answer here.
1:52
